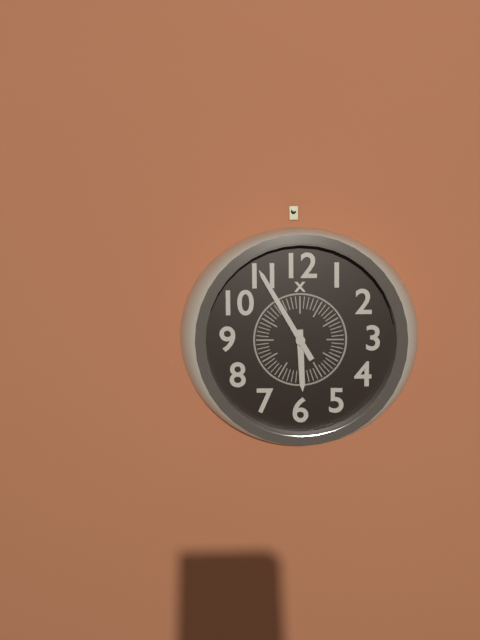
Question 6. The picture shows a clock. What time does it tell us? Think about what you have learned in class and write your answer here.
5:55
